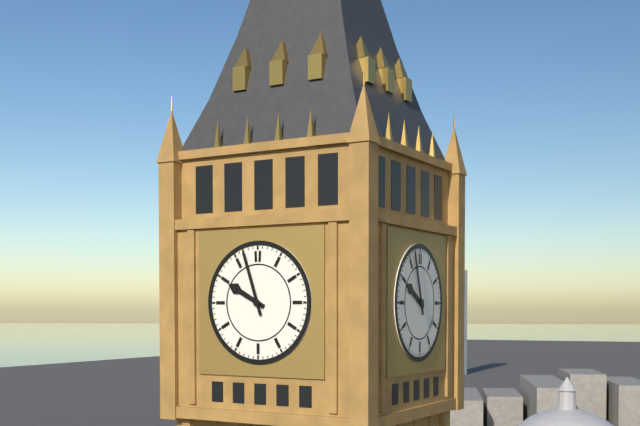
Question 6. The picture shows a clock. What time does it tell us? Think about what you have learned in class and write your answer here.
9:57
